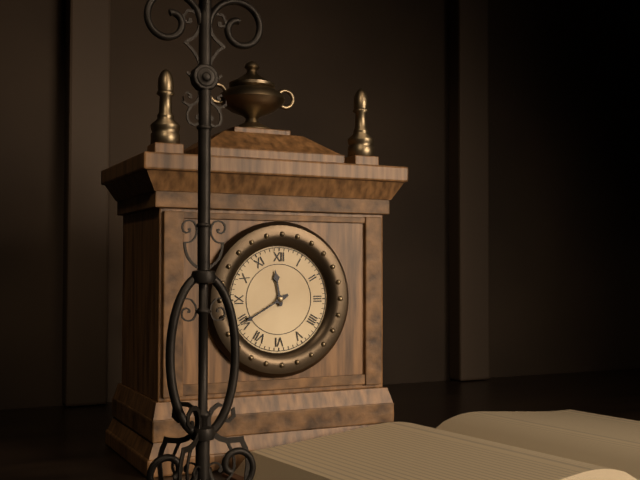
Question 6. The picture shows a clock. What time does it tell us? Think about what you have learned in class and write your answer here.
11:40
